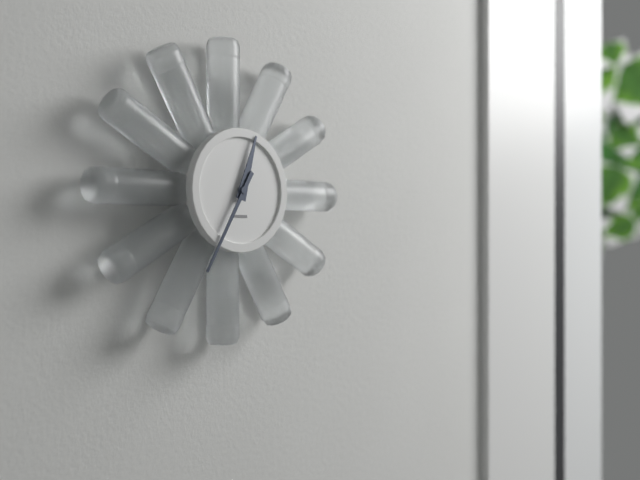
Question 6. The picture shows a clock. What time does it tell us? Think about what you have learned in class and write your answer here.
12:35
